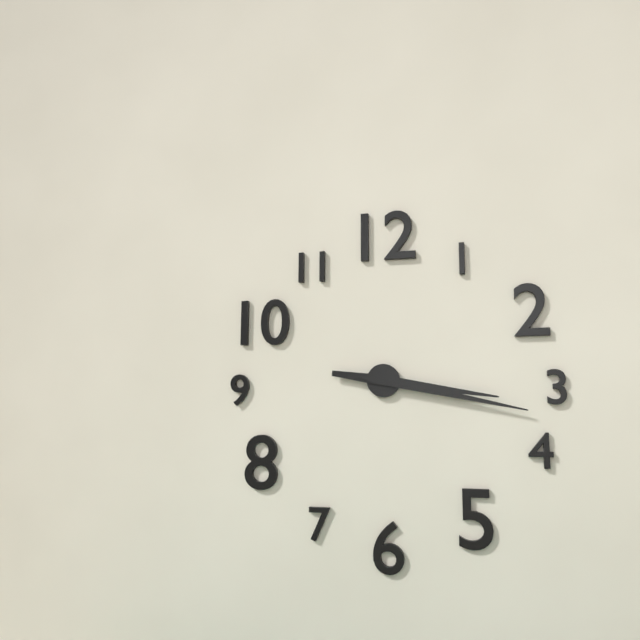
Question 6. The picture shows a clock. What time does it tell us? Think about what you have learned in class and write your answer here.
3:17
